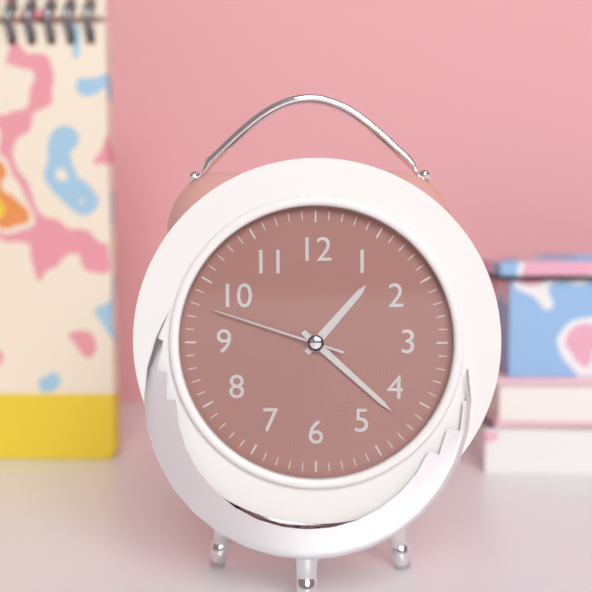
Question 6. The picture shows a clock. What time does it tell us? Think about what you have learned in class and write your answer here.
1:22:48
